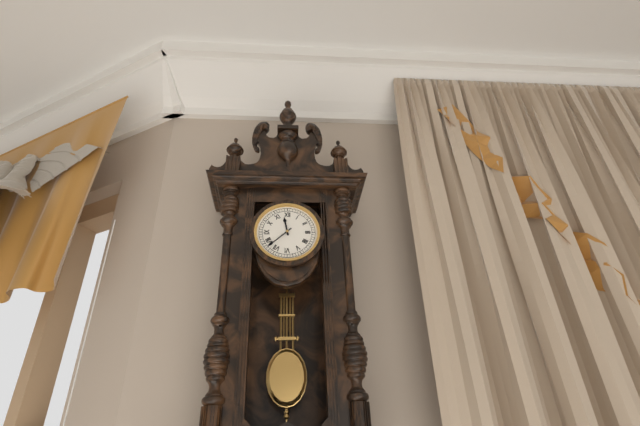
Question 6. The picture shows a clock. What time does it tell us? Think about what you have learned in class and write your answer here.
11:38
